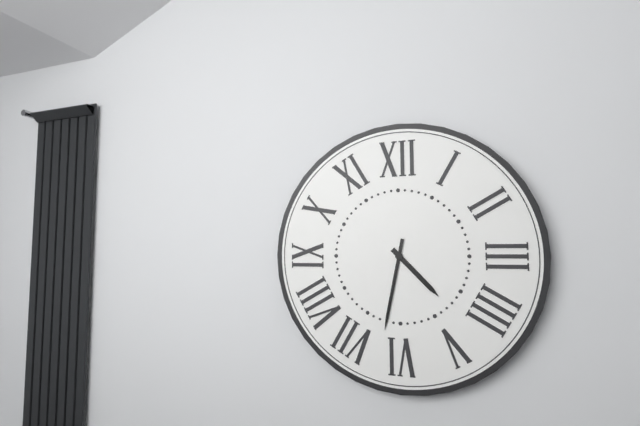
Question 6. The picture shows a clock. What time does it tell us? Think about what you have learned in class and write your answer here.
4:32
